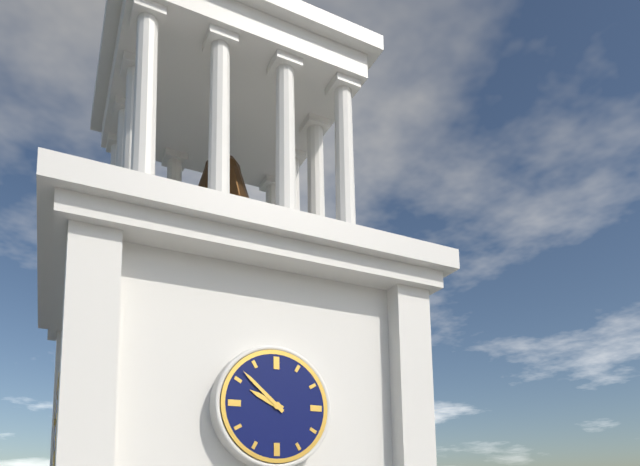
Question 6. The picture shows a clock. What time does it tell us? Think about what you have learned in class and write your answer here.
9:52
